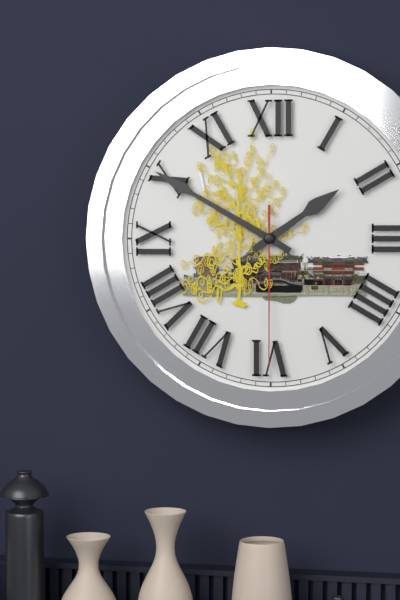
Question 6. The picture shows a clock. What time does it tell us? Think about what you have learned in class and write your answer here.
1:50:30
